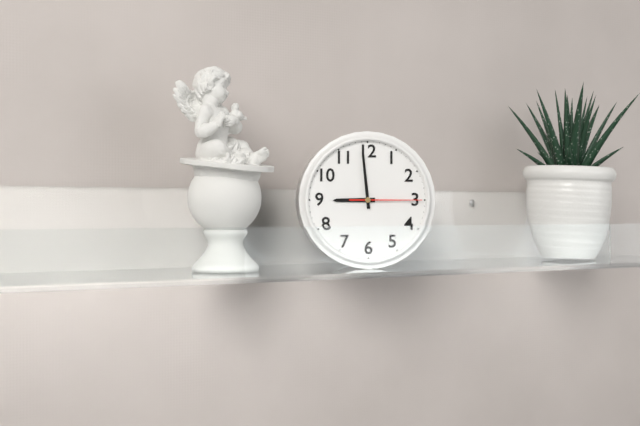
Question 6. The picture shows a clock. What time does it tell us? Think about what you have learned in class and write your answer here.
8:59:15
